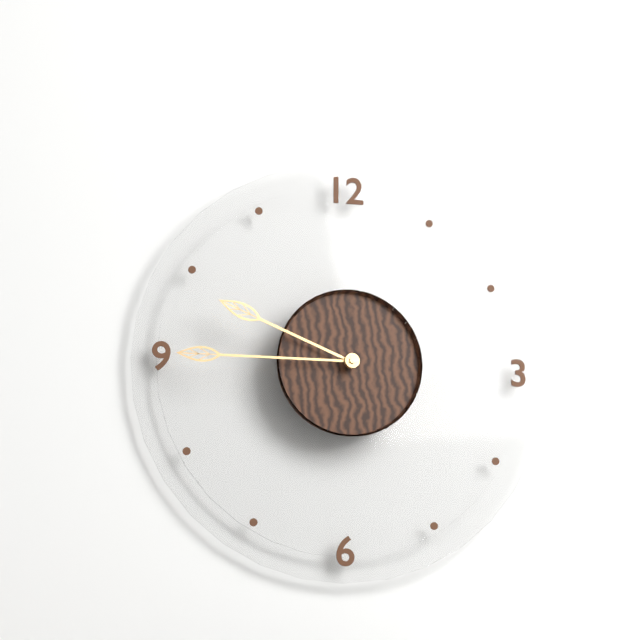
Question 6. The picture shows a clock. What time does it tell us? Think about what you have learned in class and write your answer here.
9:45
